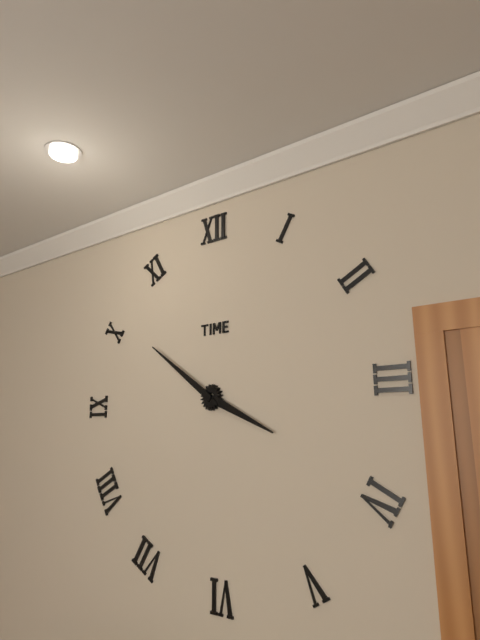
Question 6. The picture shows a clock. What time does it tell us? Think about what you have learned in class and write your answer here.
3:51
